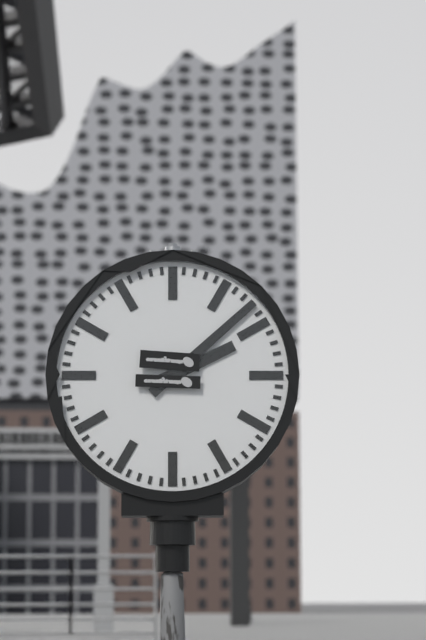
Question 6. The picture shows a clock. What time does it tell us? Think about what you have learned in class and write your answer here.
2:08
